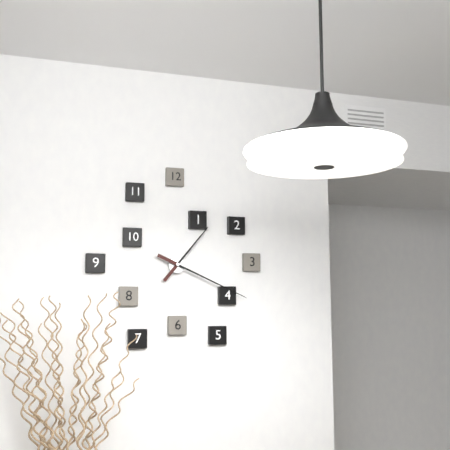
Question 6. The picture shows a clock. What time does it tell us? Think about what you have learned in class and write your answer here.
1:19
